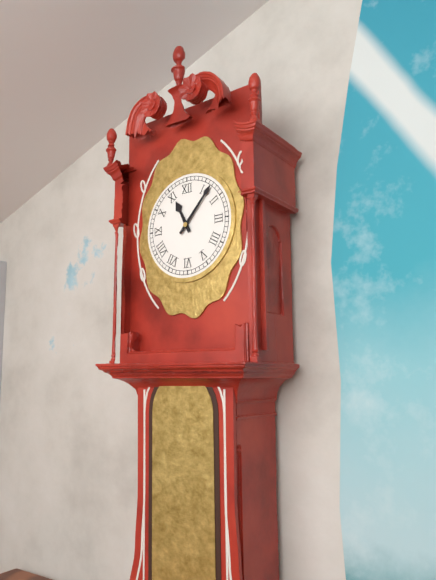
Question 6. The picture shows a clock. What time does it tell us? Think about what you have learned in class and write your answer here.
11:07
